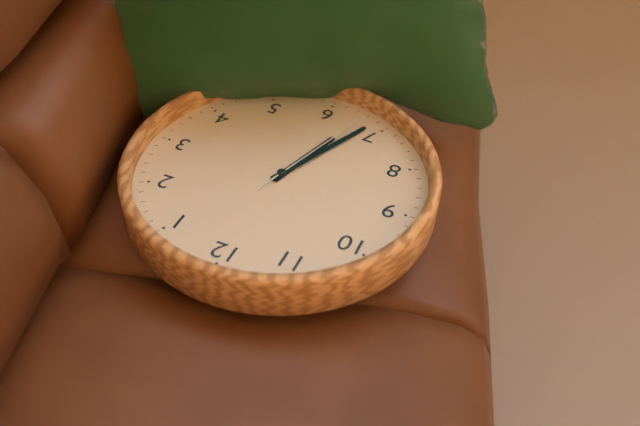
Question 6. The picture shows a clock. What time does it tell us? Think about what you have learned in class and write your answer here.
6:34:33
